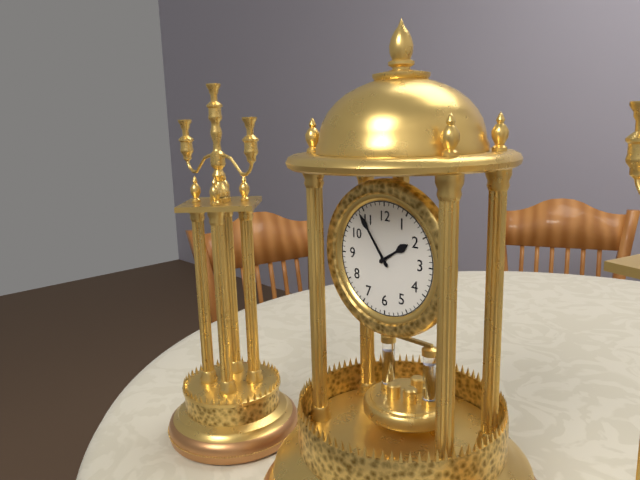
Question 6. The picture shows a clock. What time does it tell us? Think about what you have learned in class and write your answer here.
1:54
